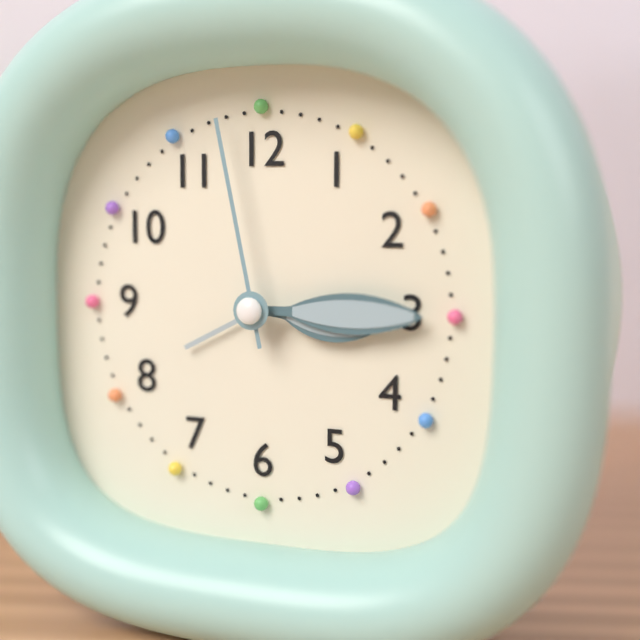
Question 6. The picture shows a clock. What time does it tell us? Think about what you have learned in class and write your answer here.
3:15:58
